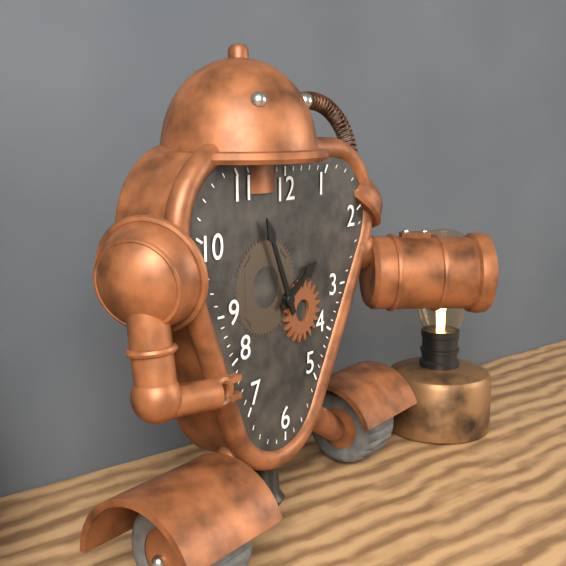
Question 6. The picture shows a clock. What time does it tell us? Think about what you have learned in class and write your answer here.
1:56
